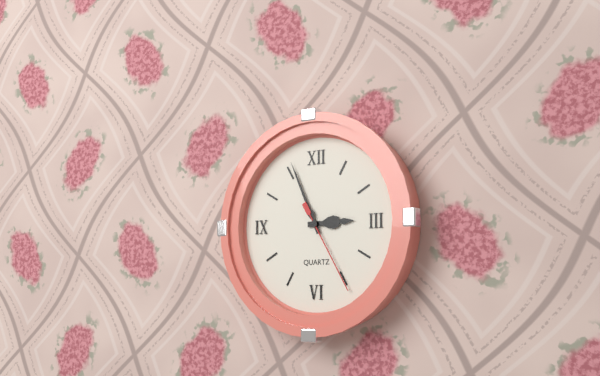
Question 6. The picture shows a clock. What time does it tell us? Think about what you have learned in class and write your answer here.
2:56:25
